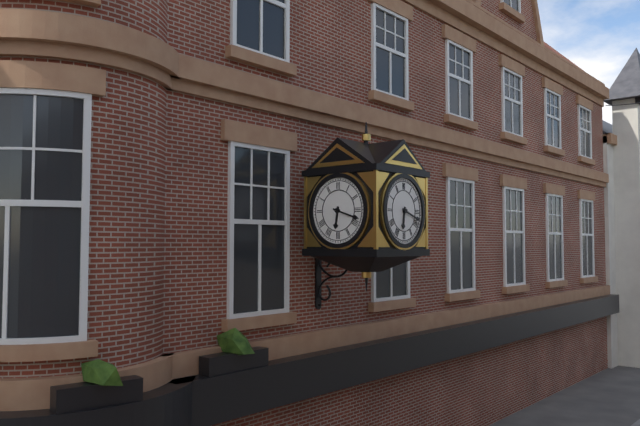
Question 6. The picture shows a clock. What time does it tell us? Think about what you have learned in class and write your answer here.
6:18
